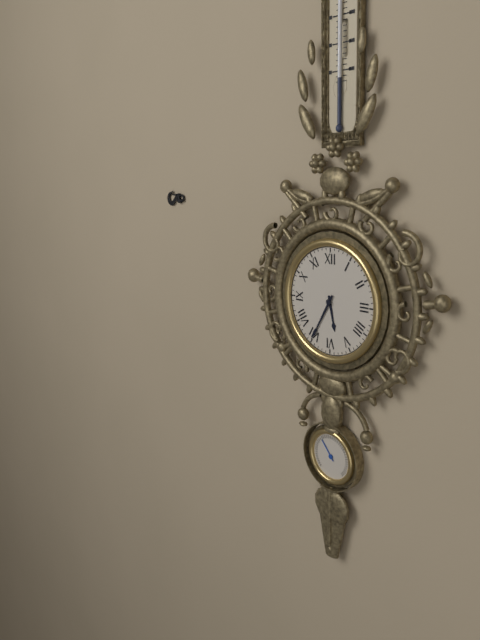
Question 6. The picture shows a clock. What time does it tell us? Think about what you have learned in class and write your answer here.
5:35
